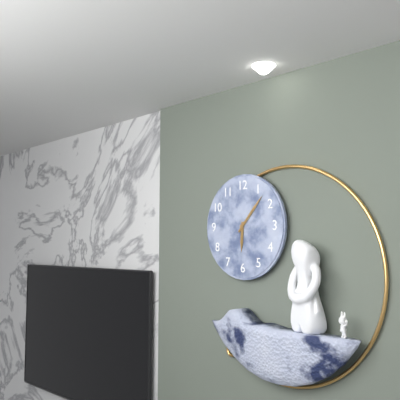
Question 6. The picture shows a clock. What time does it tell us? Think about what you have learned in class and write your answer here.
6:07
